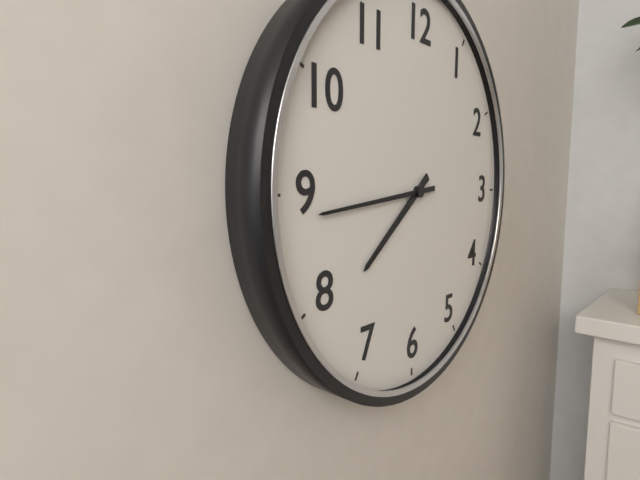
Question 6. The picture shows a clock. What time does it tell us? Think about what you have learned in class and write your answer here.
7:44
